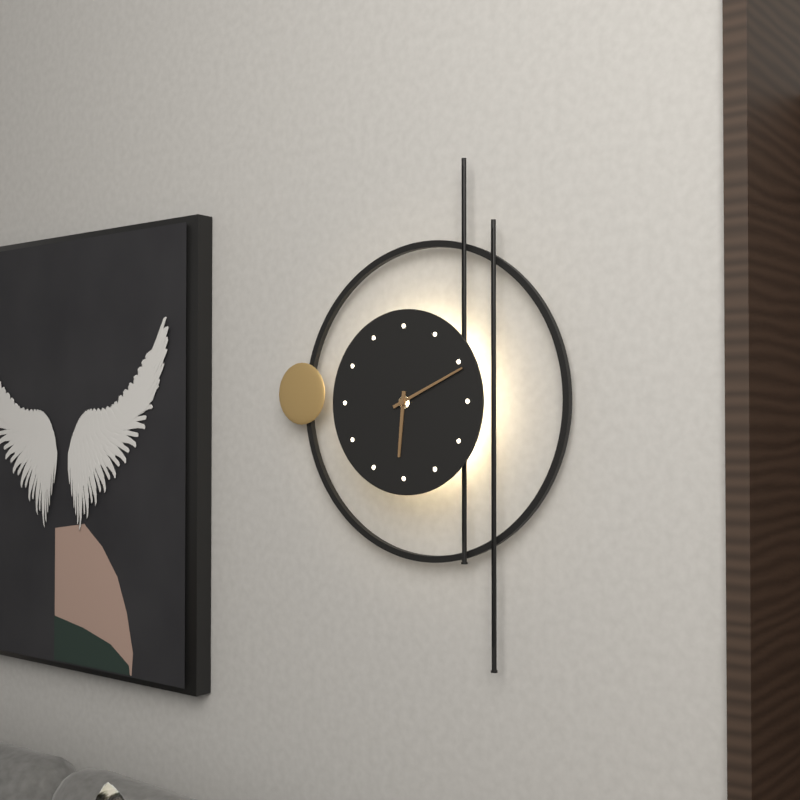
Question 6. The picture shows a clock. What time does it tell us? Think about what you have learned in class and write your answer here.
6:11
